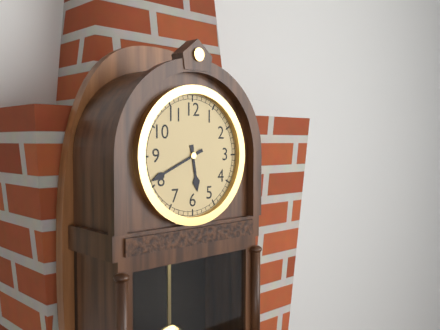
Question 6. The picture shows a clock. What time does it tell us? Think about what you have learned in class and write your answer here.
5:41
